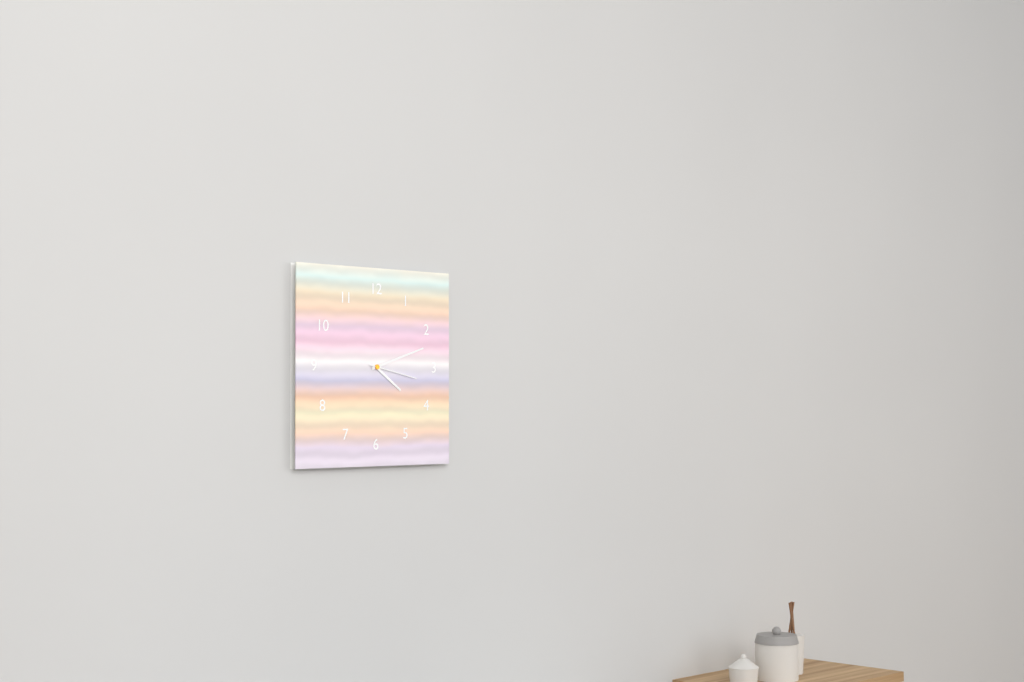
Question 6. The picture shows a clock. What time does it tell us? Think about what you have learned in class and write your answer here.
4:12:17
